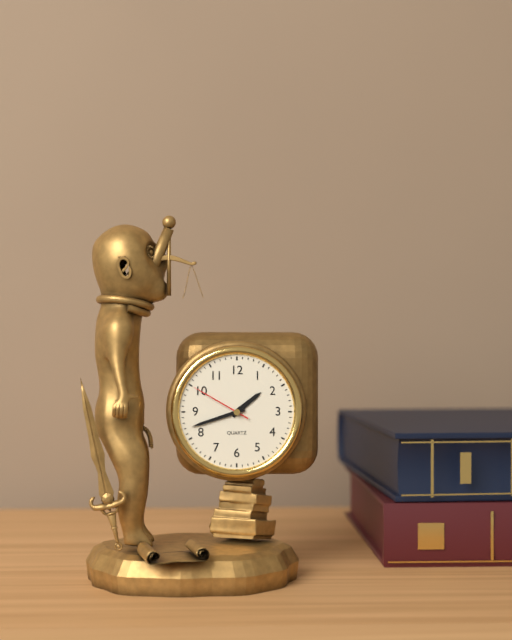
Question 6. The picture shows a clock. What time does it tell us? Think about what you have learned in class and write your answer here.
1:42:50
